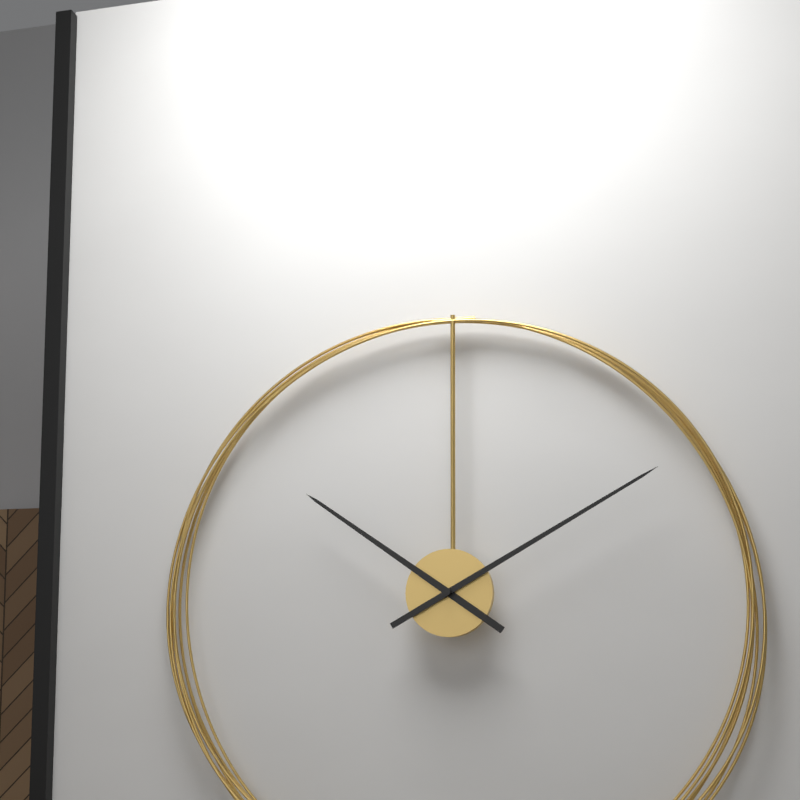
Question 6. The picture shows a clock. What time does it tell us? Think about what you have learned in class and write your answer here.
10:10
